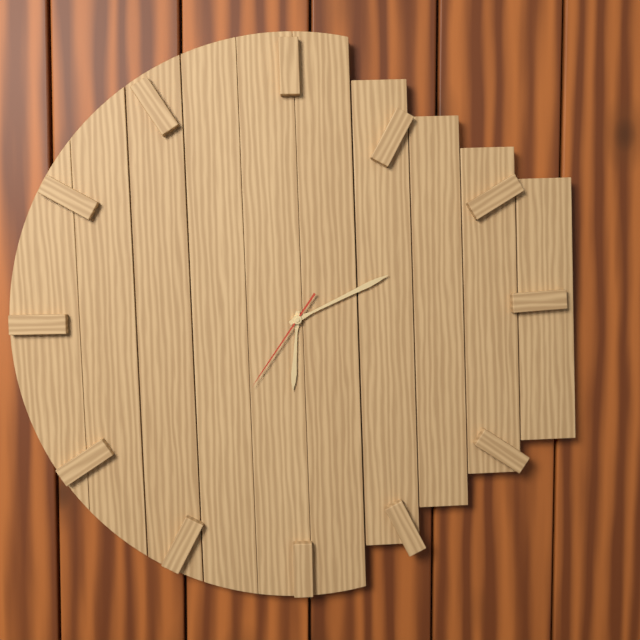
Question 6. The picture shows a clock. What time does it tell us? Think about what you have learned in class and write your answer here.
6:11:36
